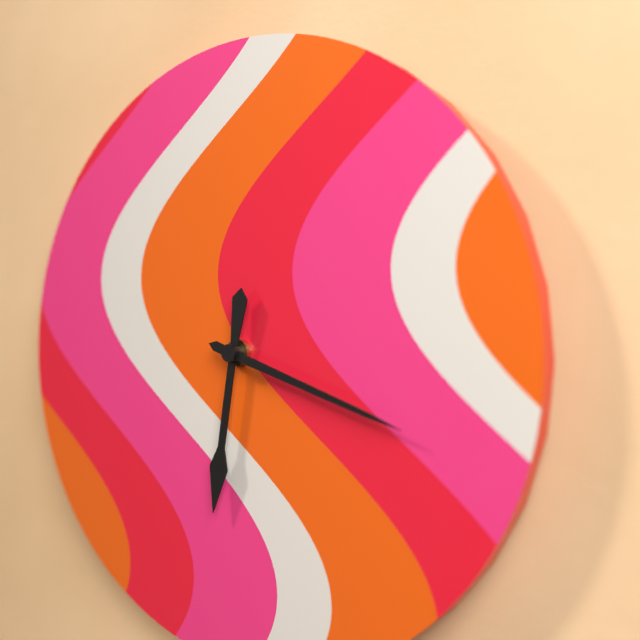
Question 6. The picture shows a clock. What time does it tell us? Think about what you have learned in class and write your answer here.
6:18
